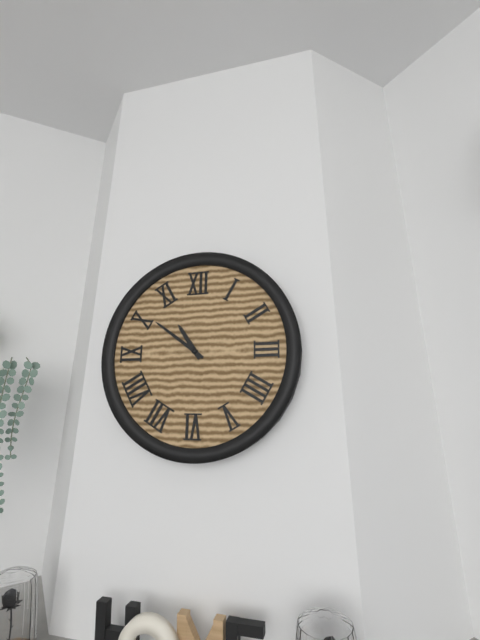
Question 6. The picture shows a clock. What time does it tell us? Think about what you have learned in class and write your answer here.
10:51
